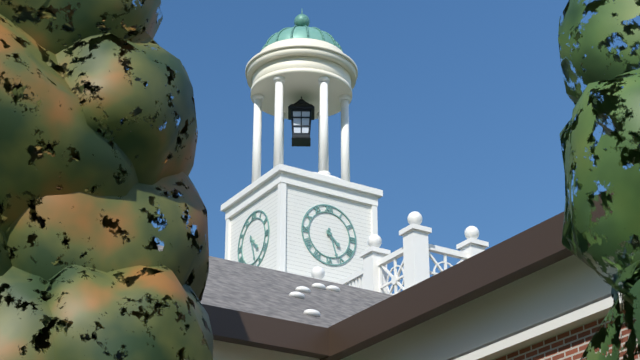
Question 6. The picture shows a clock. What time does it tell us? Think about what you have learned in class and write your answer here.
4:27
